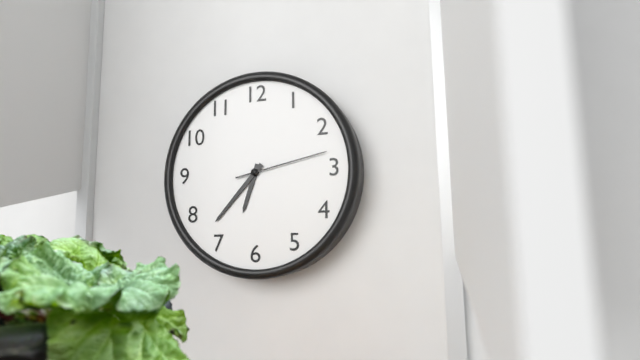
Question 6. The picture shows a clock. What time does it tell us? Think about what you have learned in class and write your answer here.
6:37:13
